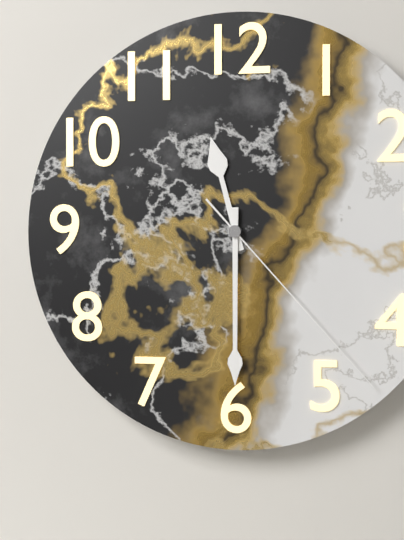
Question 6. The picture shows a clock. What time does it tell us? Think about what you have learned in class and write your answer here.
11:30:23
